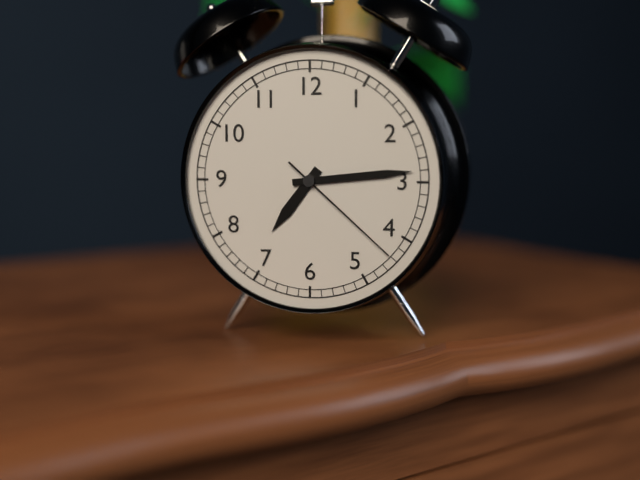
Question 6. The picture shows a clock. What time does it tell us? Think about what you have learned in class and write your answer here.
7:14:22
